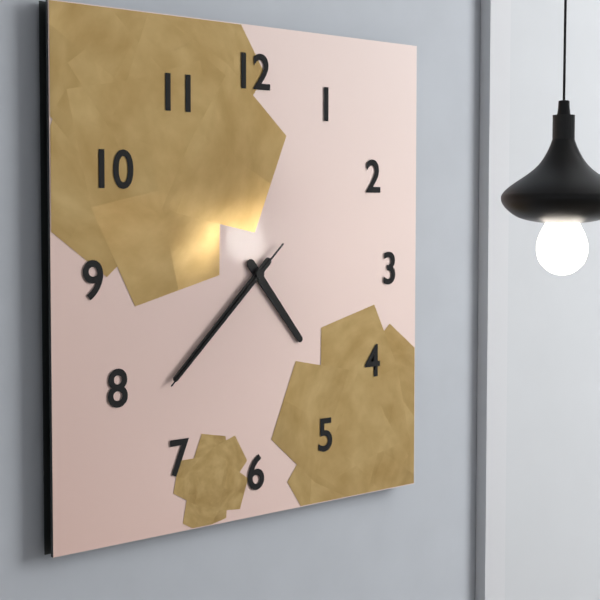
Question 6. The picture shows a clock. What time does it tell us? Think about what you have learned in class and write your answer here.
4:38:38
